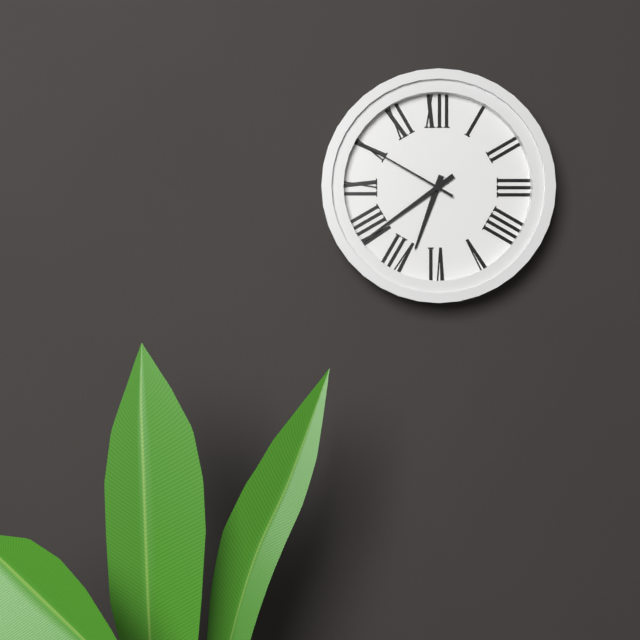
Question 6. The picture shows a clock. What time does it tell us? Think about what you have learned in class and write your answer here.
6:39:50
